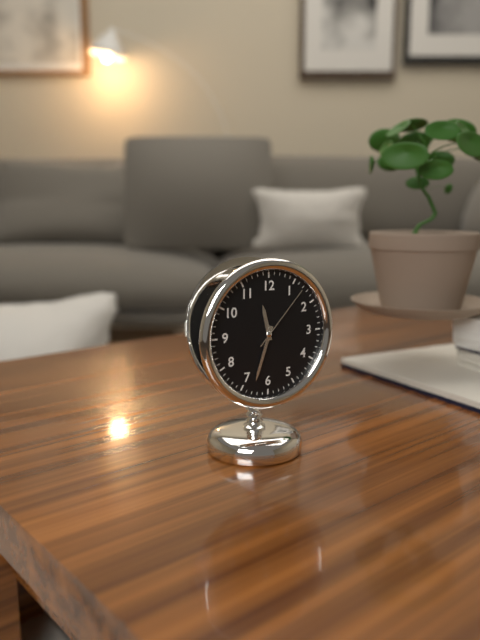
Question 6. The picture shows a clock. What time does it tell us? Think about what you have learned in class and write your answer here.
11:33:07
